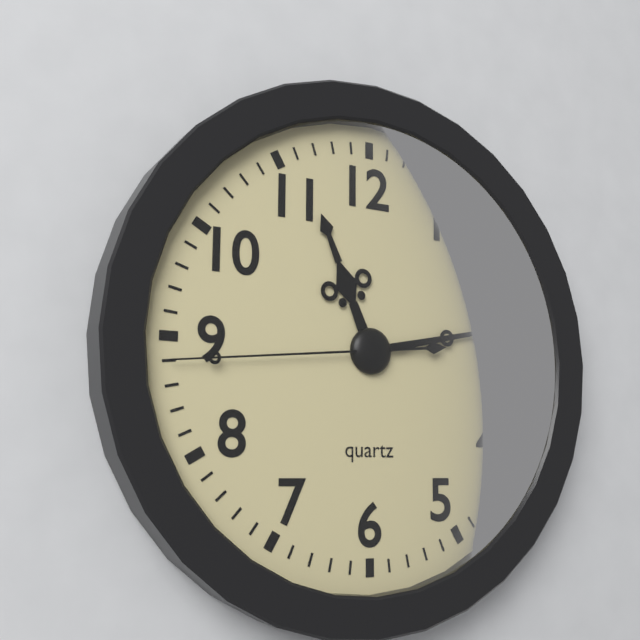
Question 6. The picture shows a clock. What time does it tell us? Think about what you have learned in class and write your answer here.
11:13:44
